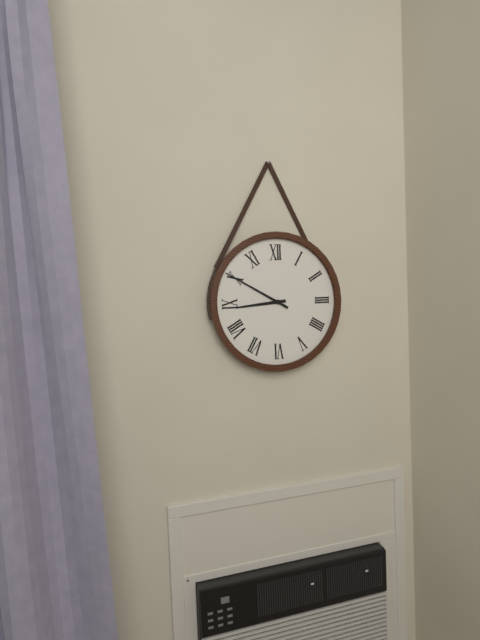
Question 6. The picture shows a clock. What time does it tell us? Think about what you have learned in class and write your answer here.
8:50
